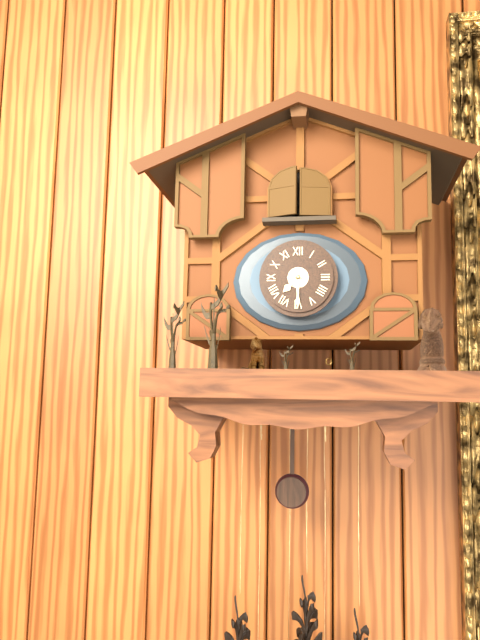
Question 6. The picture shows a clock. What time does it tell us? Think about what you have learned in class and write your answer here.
7:30
